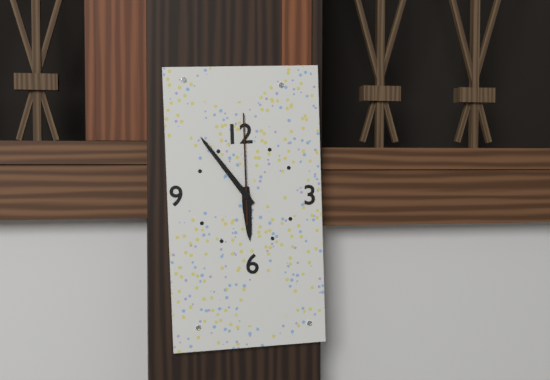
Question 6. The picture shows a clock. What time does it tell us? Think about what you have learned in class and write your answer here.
5:54:00
